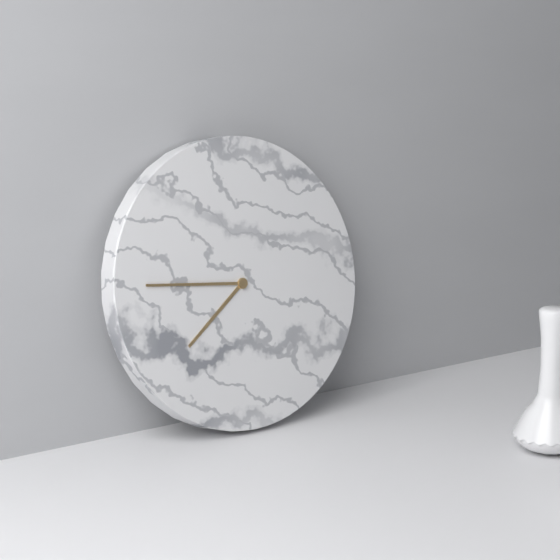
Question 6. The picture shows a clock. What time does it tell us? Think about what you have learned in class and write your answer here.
7:46
